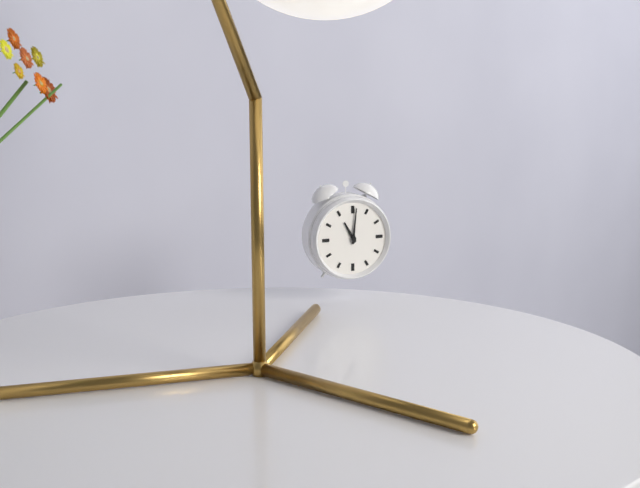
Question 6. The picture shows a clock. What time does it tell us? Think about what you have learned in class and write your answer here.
11:01
